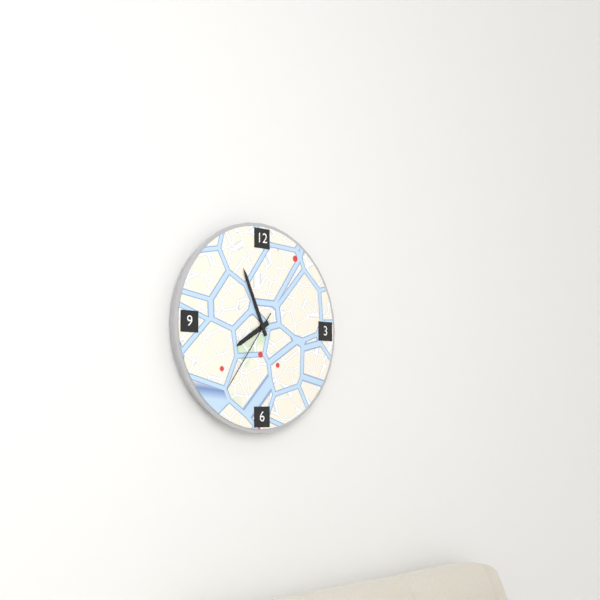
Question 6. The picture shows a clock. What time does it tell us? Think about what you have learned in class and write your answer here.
7:56:36
